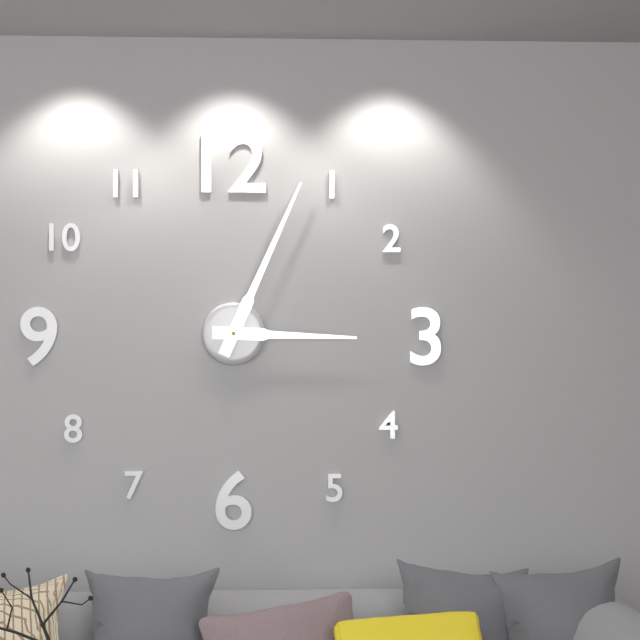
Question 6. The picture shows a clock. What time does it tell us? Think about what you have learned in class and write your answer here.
3:04
